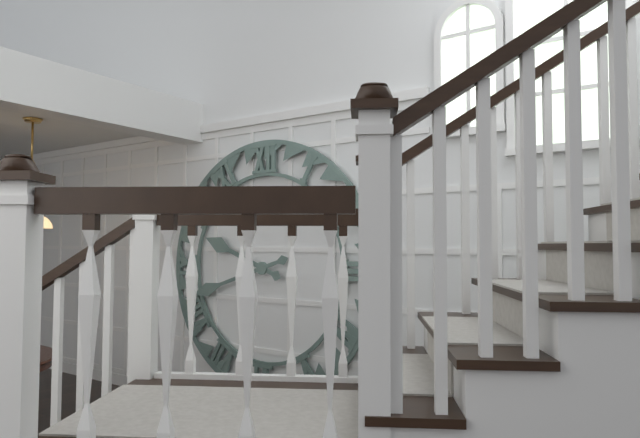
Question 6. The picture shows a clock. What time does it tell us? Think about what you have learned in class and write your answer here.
9:42
